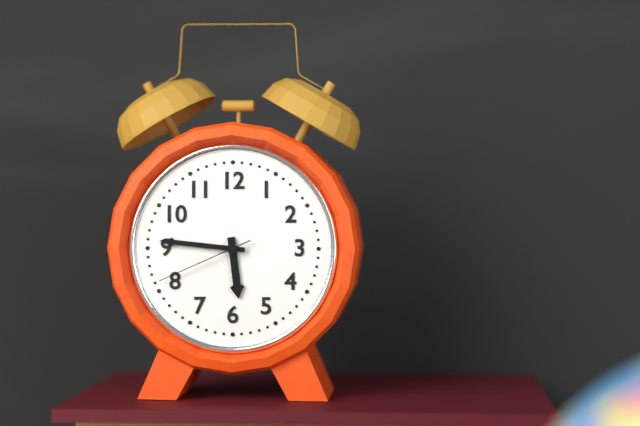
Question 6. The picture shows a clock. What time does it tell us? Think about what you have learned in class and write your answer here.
5:46:41
